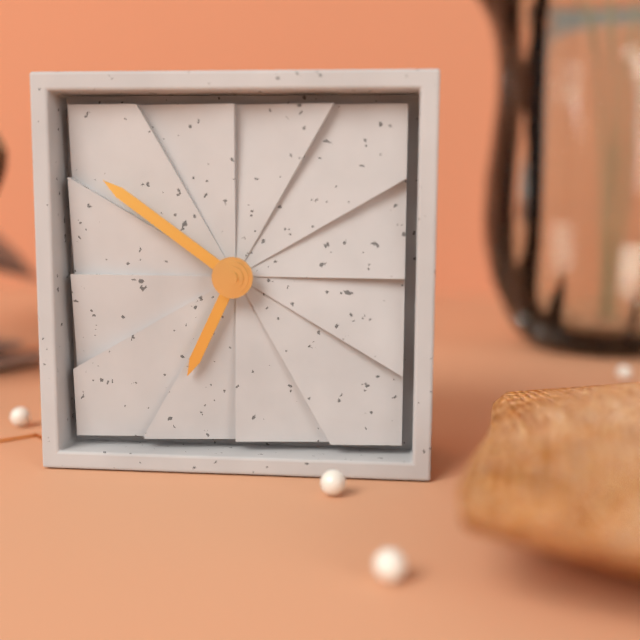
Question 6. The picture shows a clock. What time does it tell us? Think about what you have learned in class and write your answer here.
6:51
